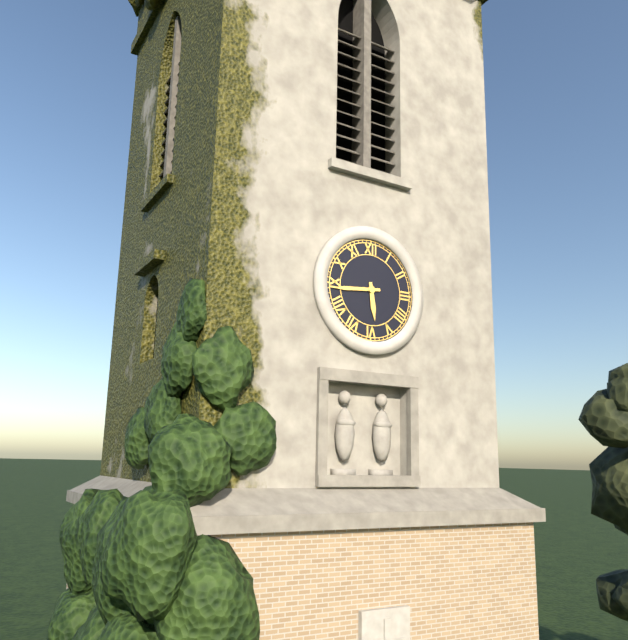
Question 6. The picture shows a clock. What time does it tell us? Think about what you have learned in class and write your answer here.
5:44
